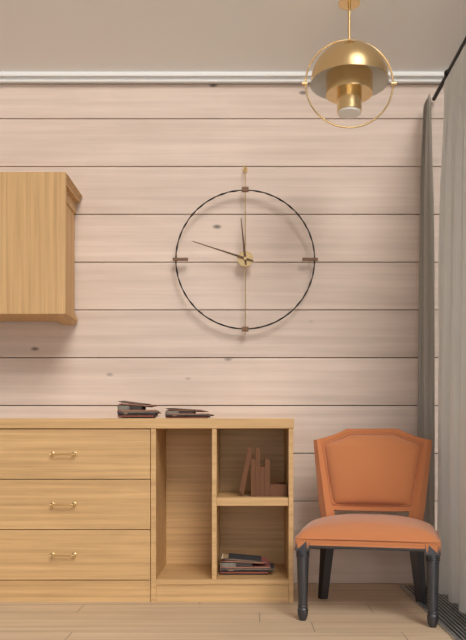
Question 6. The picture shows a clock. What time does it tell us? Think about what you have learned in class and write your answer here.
11:48
